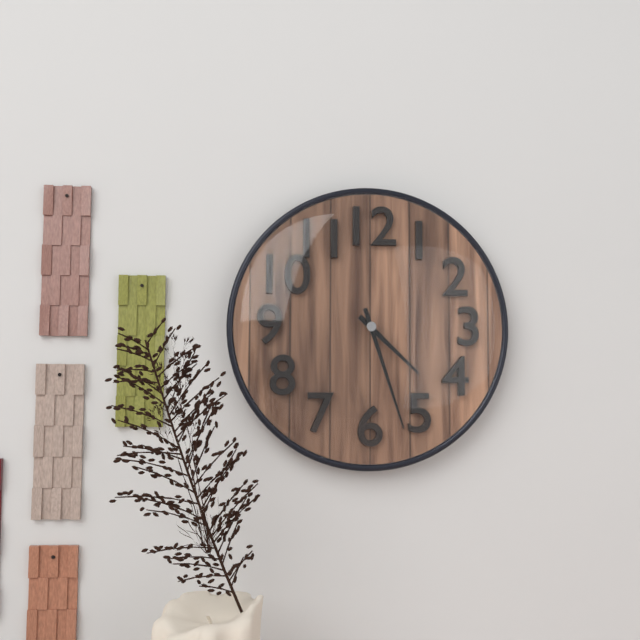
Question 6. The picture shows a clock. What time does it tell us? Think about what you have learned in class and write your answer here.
4:27
